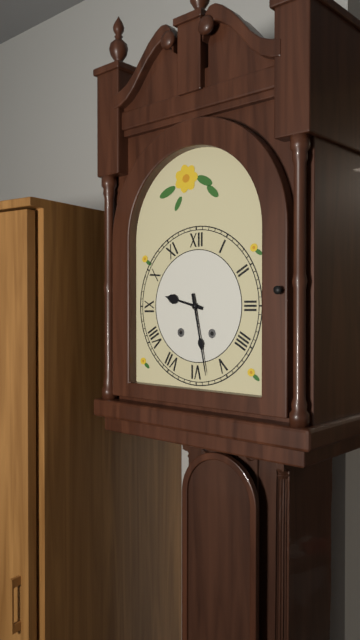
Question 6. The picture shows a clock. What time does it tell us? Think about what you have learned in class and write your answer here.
9:28
